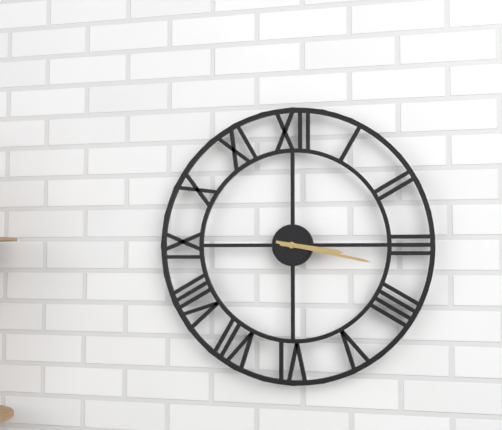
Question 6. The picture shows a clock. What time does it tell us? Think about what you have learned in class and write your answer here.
3:17
